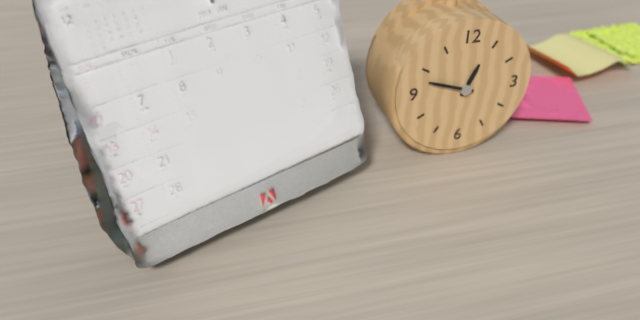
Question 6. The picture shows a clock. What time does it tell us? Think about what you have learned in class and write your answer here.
12:48
